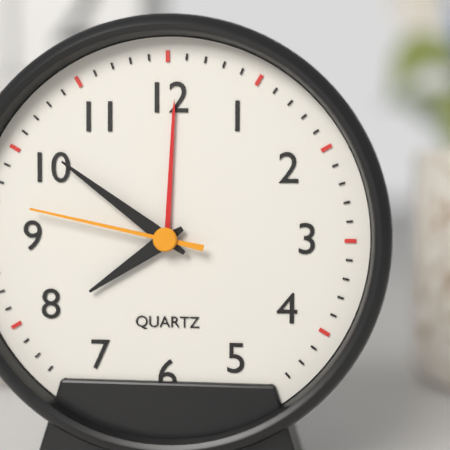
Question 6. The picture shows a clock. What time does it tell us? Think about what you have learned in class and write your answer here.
7:51:47
